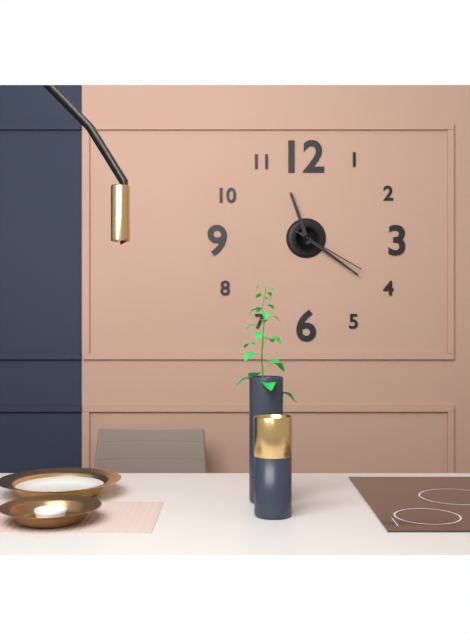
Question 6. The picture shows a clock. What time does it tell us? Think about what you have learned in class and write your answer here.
11:21:20
